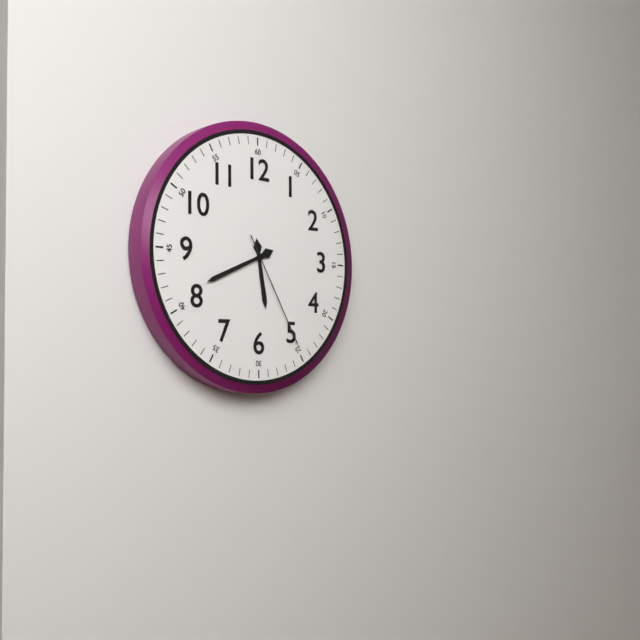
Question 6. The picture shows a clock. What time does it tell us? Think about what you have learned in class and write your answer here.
5:41:25
